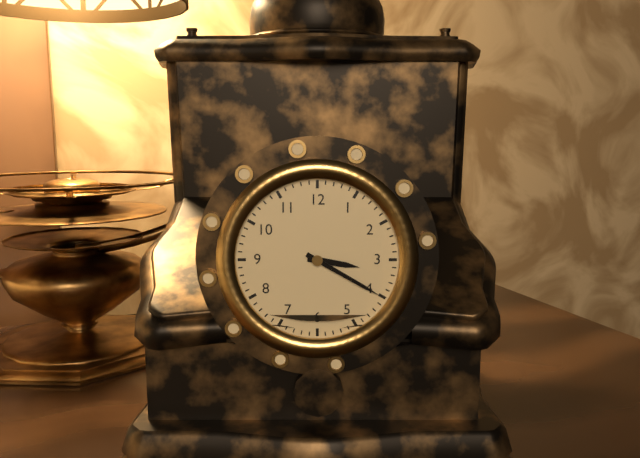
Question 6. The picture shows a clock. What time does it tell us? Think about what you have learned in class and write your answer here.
3:20
